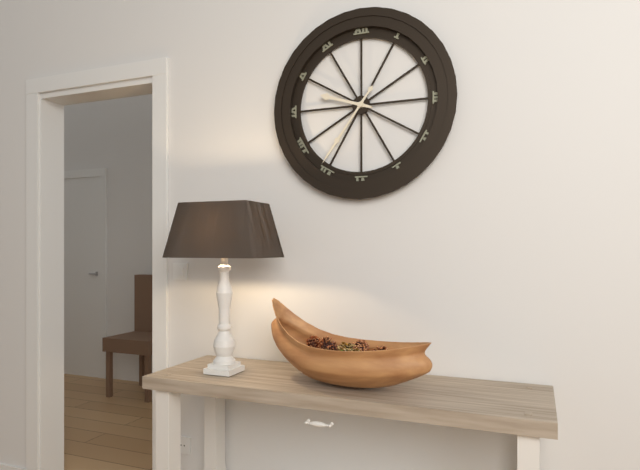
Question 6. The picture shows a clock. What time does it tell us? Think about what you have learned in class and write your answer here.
9:36
